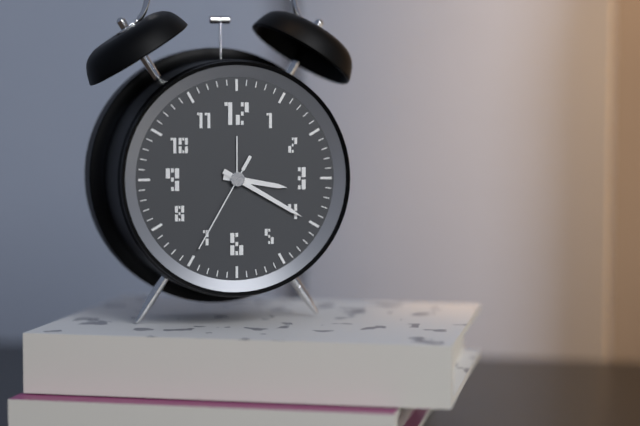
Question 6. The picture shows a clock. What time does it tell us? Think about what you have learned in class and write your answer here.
3:20:35
